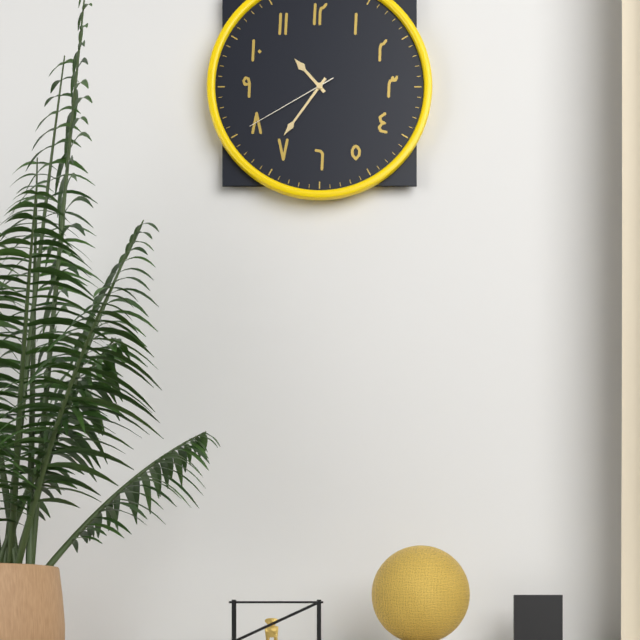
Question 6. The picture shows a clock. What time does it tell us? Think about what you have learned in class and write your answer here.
10:36:40
